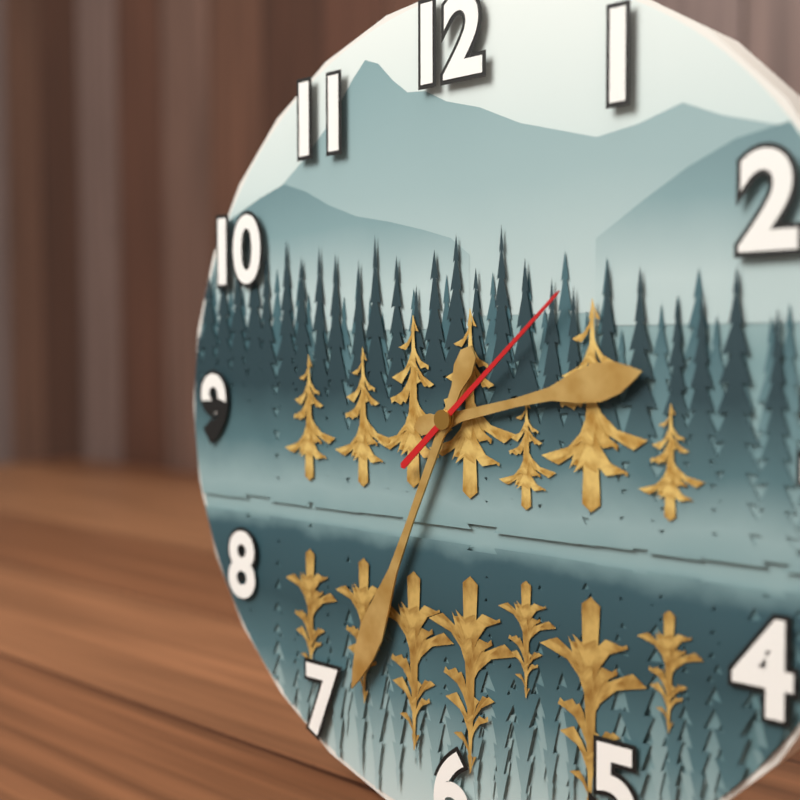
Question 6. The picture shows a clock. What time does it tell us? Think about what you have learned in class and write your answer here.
2:34:08
